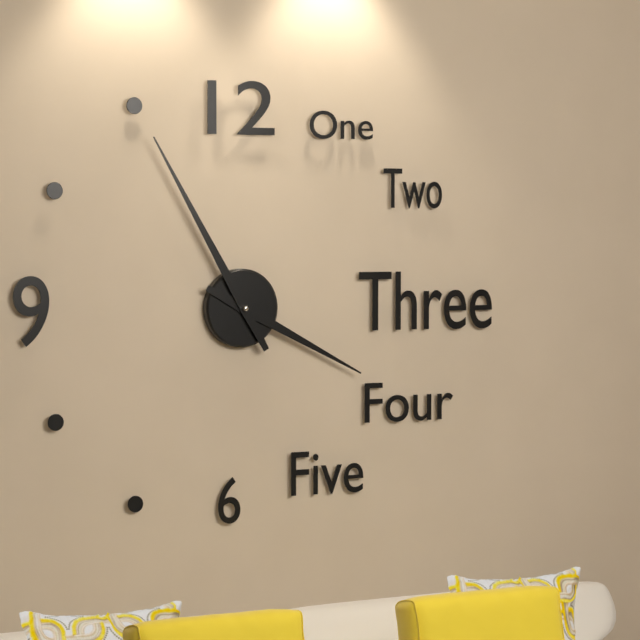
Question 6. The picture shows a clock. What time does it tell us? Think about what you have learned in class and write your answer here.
3:55
